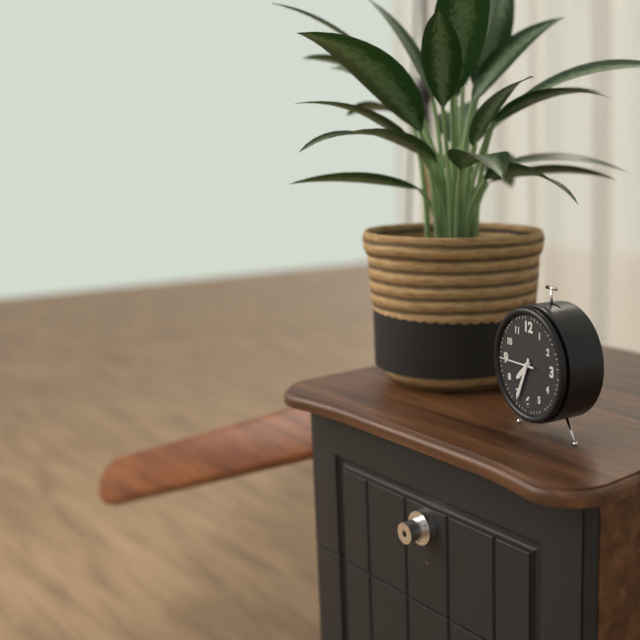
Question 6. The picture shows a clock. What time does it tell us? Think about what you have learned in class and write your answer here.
7:34
